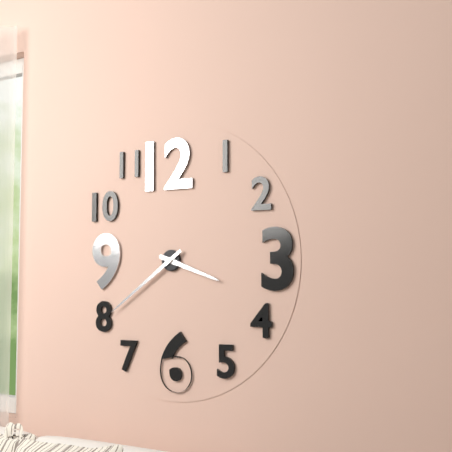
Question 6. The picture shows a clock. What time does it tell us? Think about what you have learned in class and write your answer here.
3:39
